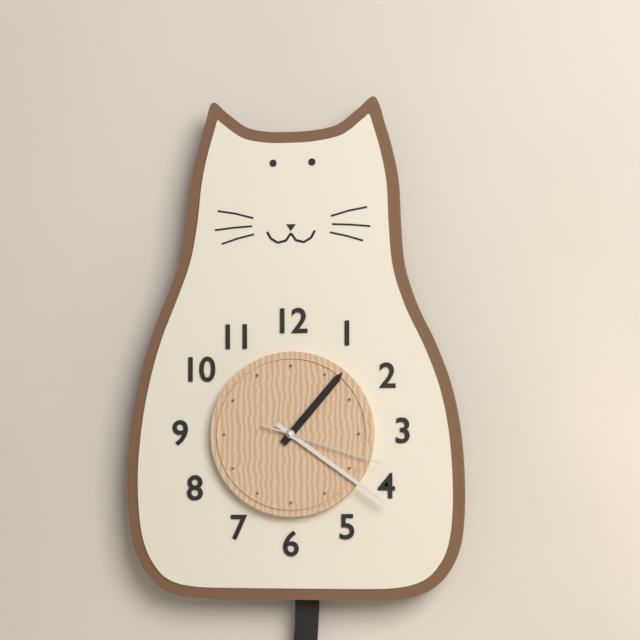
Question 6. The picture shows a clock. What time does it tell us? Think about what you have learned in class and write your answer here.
1:21:18
